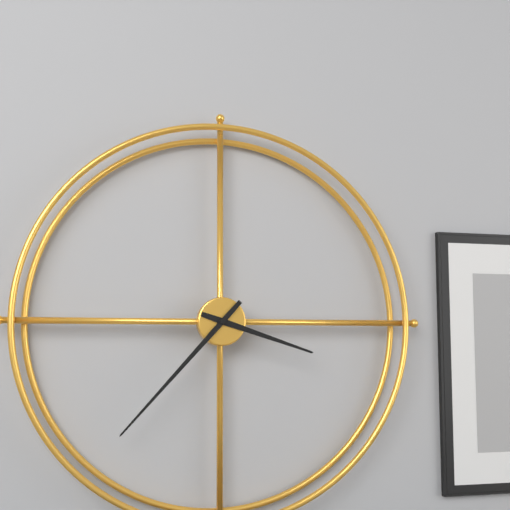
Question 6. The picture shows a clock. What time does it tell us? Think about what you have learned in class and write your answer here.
3:37
